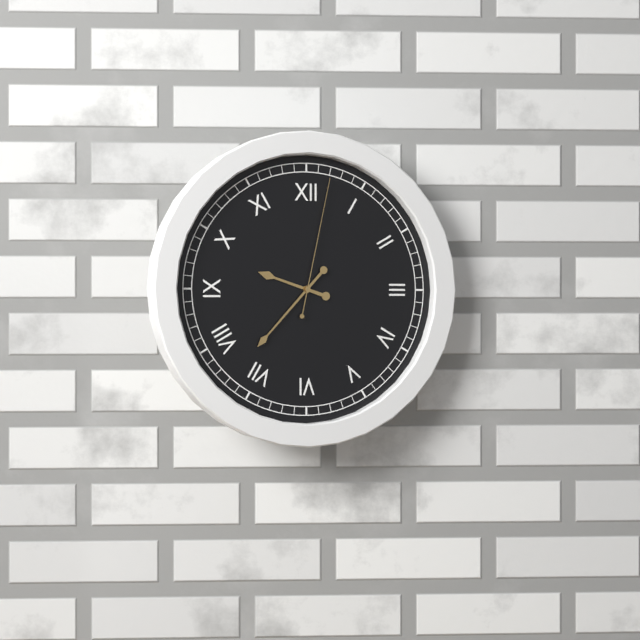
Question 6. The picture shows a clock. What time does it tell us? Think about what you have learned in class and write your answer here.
9:37:02
